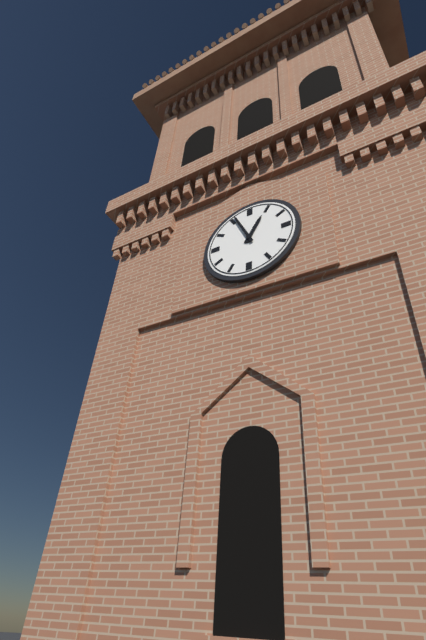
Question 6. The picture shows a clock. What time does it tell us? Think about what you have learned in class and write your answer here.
12:56
